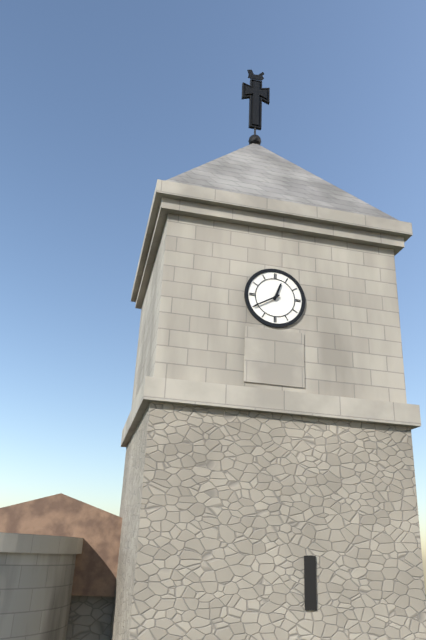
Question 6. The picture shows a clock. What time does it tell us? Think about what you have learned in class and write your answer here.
12:40
